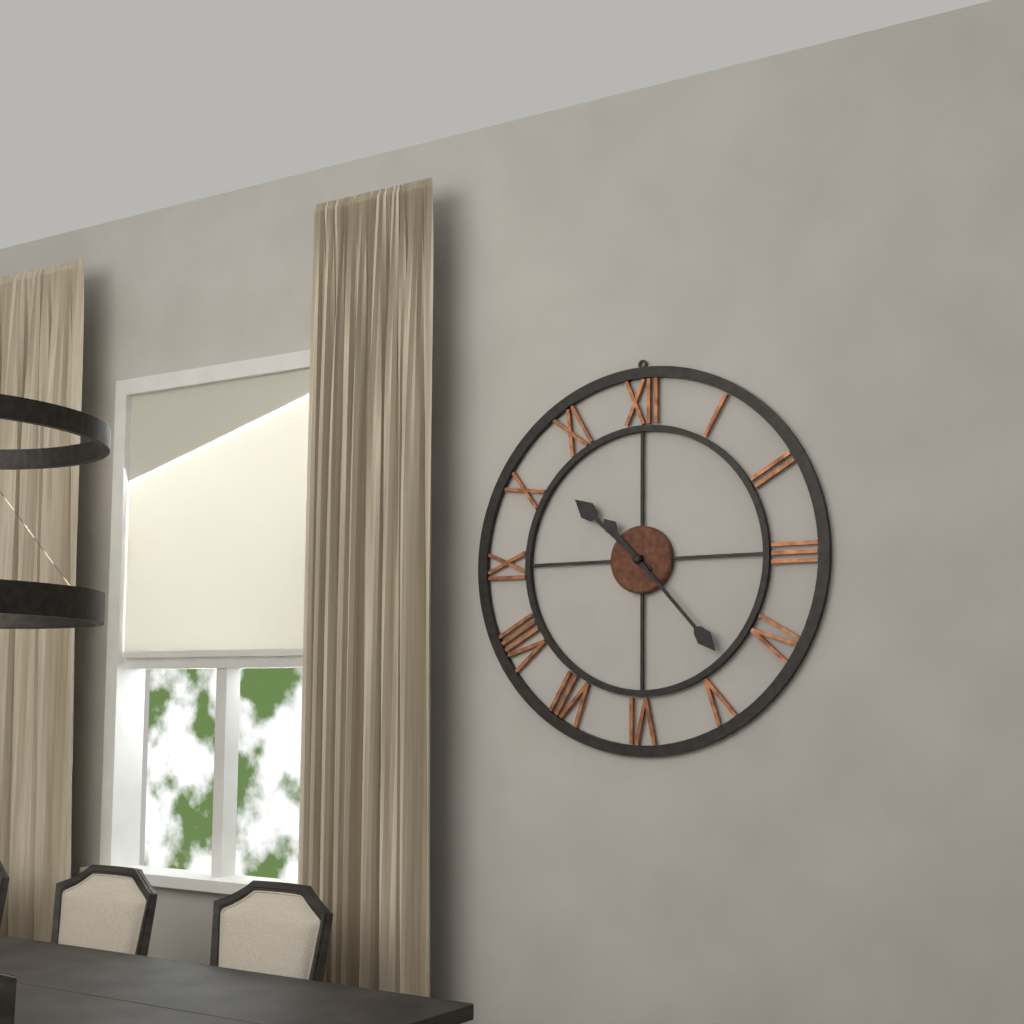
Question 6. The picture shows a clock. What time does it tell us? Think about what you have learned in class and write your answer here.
10:23
